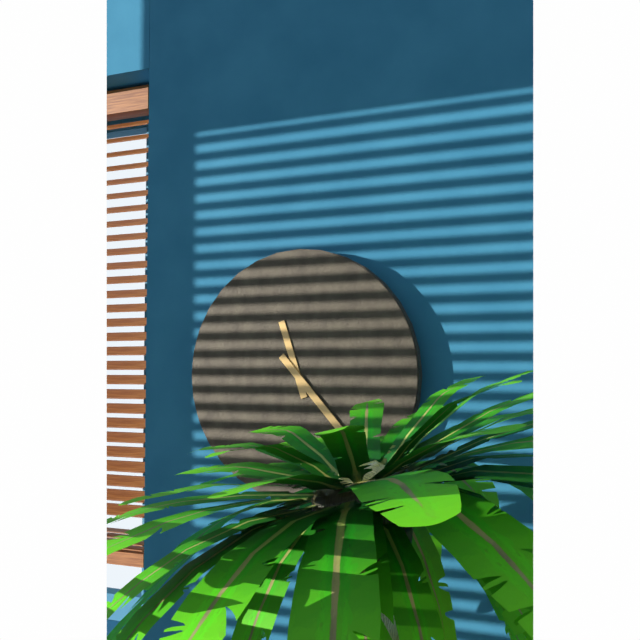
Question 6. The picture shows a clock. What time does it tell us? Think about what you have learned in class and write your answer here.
11:23
